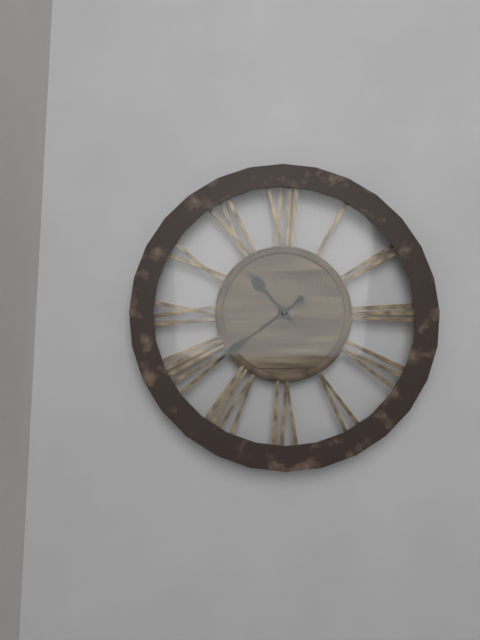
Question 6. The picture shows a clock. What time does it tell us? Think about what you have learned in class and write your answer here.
10:39
